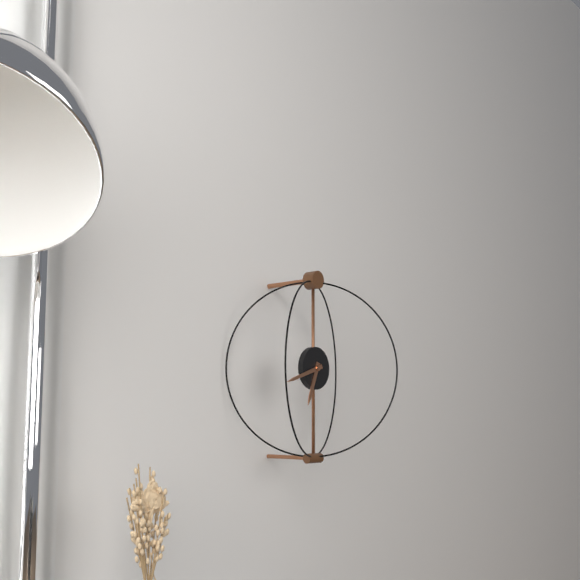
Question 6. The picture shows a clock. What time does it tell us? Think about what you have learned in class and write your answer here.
6:42
